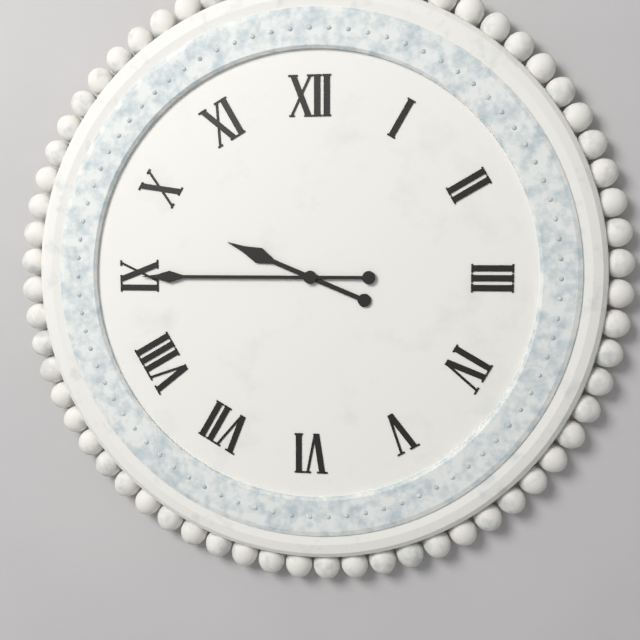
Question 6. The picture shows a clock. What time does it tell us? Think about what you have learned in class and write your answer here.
9:45
